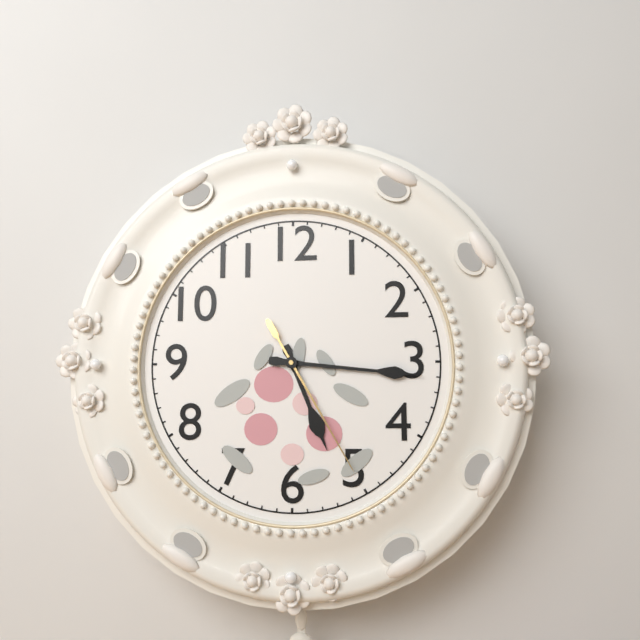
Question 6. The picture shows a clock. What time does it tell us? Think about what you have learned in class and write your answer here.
5:16:25
